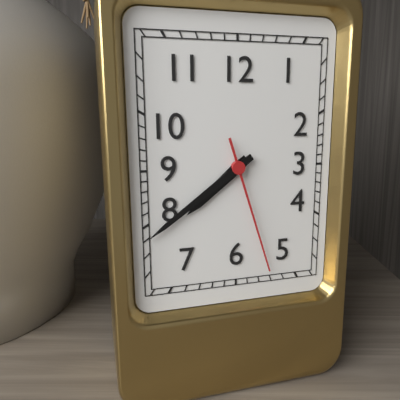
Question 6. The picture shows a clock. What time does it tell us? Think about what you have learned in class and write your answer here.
7:39:27
